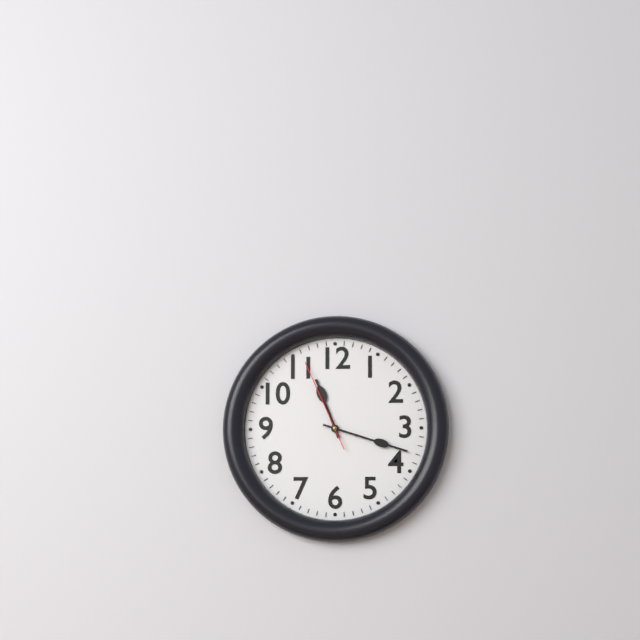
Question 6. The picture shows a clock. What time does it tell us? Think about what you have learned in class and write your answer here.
11:18:56
